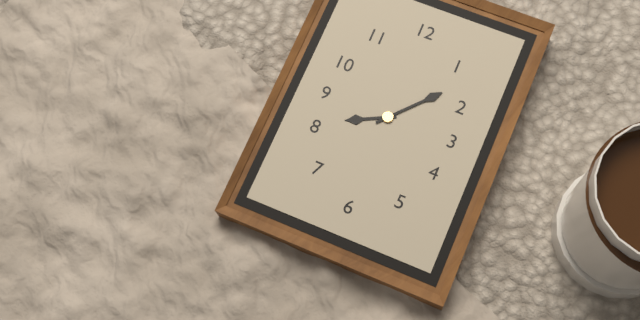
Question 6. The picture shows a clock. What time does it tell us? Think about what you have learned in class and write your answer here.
8:07
